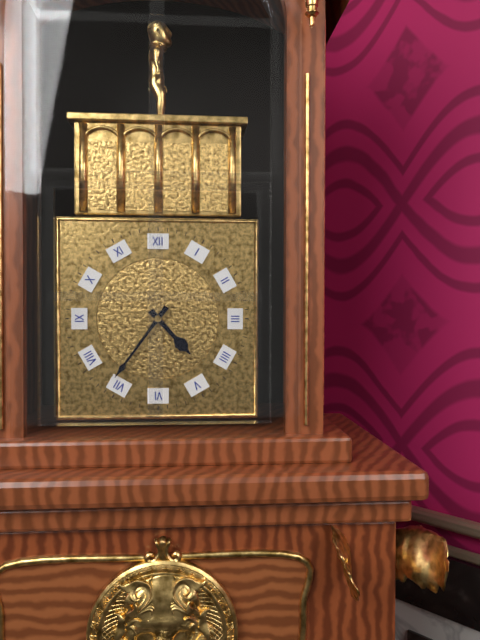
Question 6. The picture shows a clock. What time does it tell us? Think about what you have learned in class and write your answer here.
4:36
